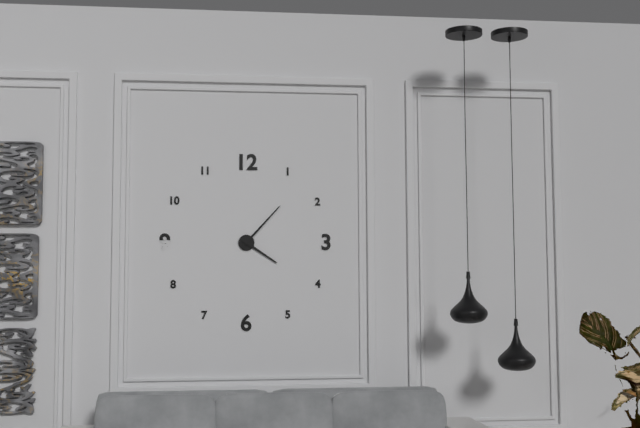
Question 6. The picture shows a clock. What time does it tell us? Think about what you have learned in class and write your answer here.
4:07
